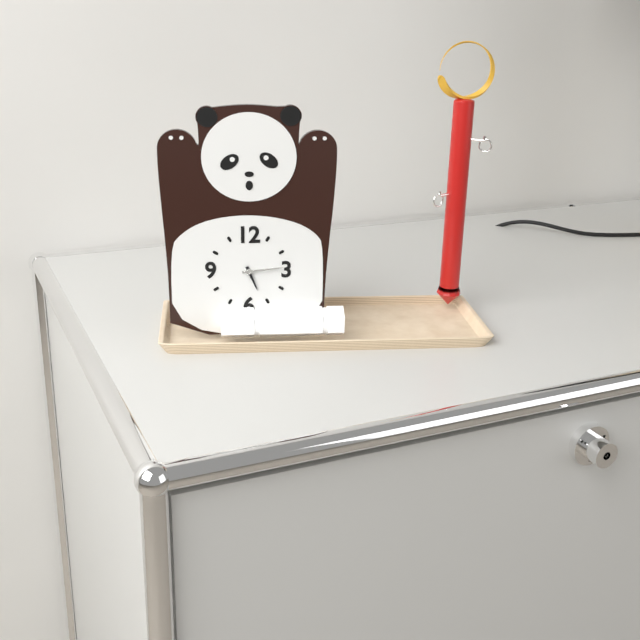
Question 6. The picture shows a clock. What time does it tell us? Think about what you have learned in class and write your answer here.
5:14
